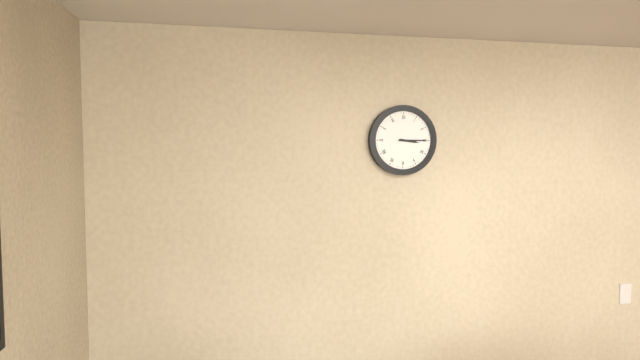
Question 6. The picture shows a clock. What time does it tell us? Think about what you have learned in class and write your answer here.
3:15
